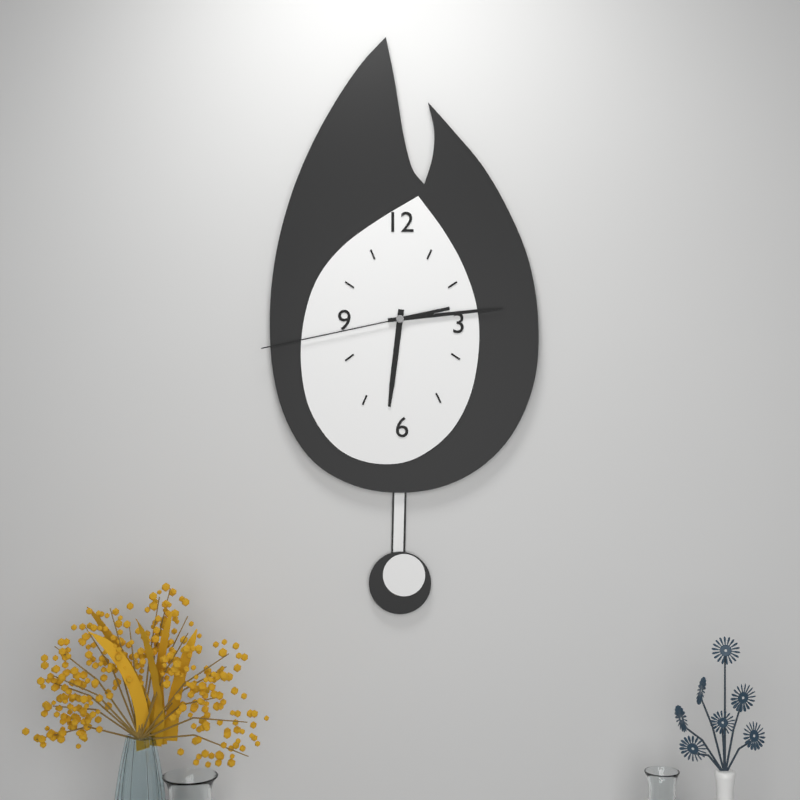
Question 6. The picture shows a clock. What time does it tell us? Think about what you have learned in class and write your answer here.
6:14:43
